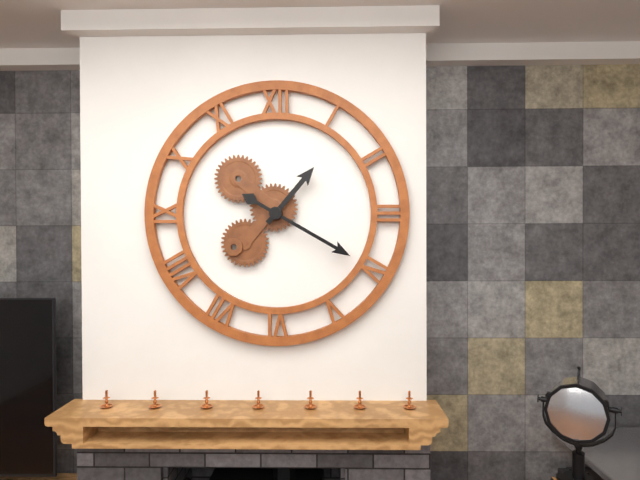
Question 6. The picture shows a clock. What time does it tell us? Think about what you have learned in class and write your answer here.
1:20
